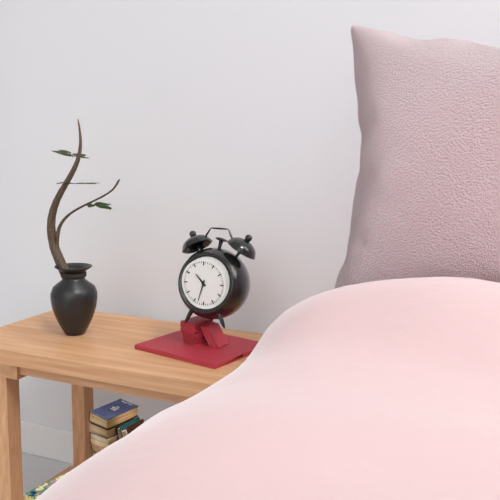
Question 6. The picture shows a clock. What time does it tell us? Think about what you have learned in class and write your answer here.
10:33
